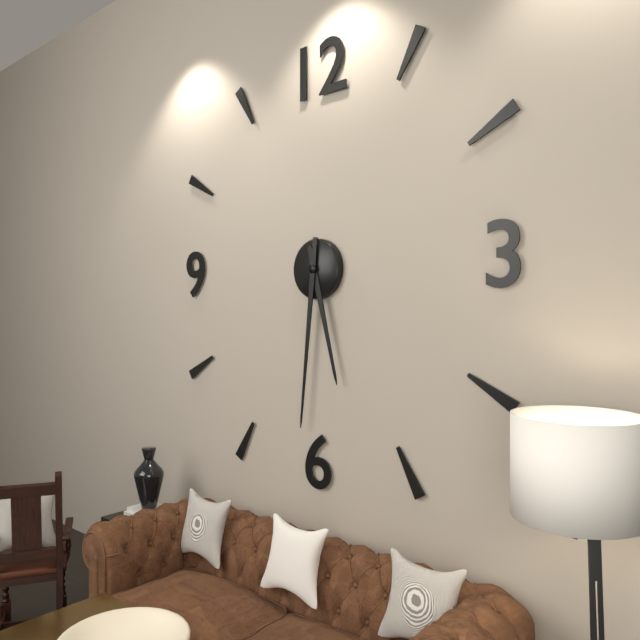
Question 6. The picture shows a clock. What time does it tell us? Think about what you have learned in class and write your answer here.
5:31
